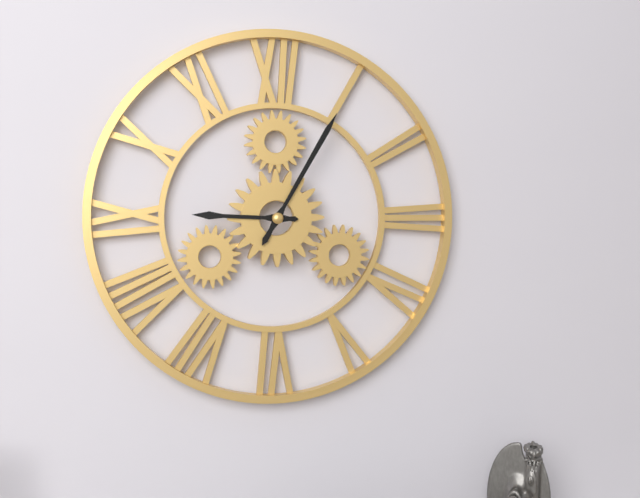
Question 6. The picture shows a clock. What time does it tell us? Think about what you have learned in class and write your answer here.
9:05
